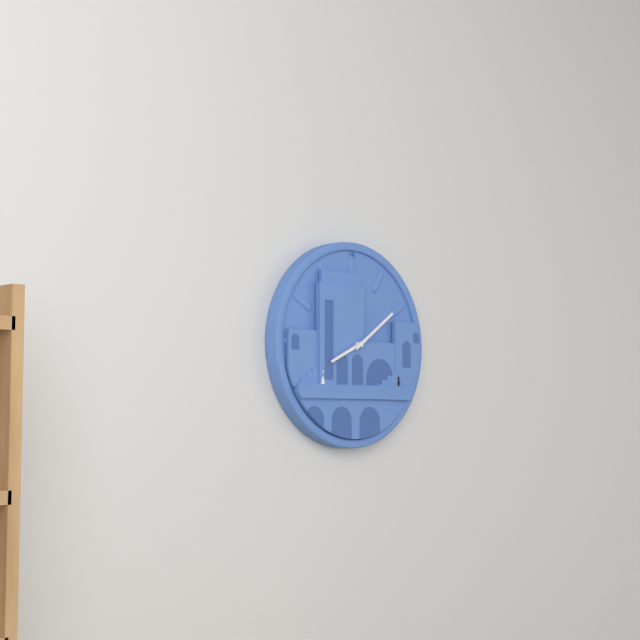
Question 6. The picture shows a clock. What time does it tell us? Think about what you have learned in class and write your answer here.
8:09
